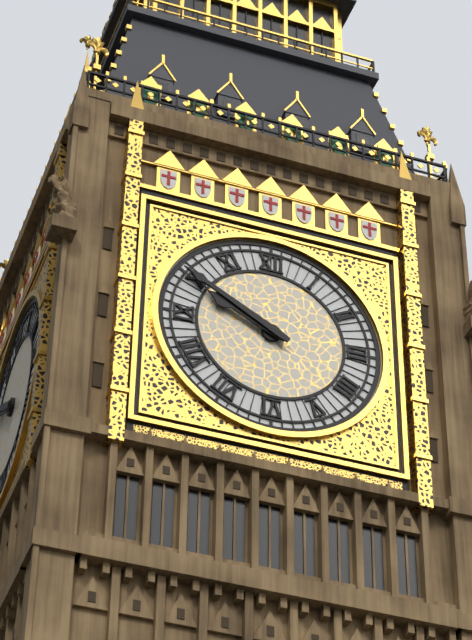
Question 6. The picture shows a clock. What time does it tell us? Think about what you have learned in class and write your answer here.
9:50
